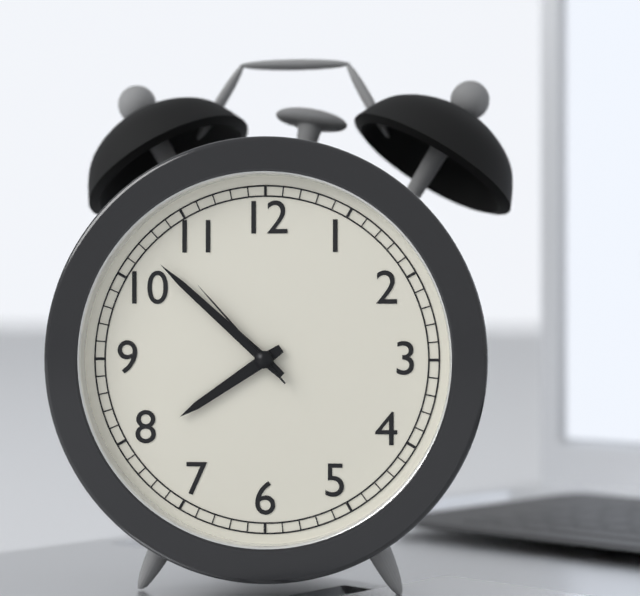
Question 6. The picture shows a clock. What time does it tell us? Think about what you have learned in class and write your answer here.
7:52:53
